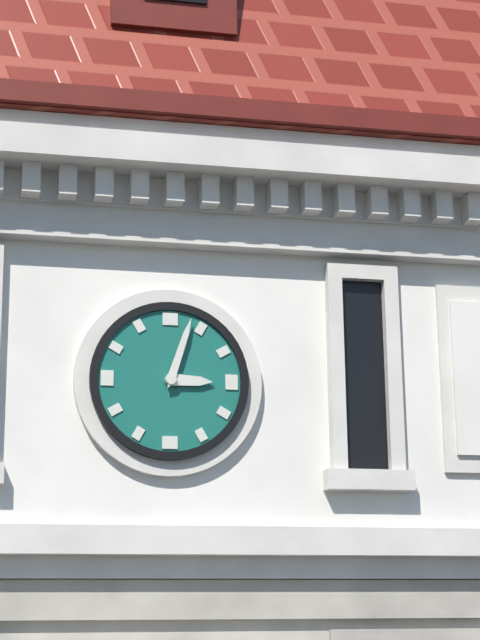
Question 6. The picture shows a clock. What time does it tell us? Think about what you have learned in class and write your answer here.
3:03
